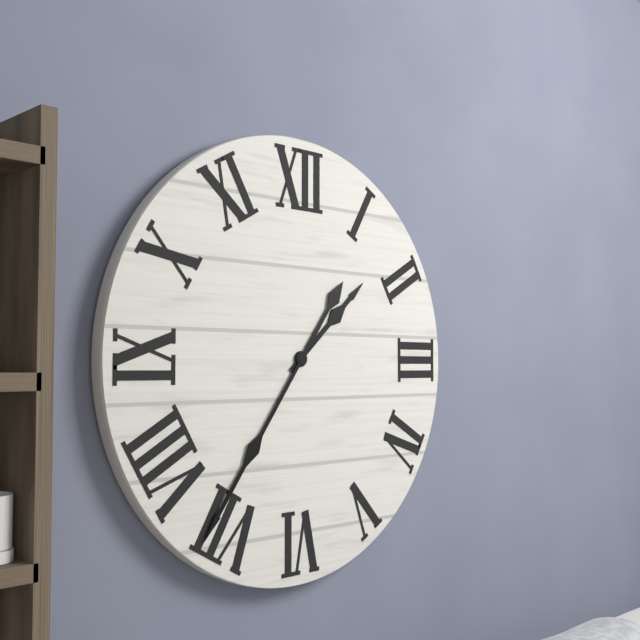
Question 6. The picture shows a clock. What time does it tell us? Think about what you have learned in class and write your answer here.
1:36
